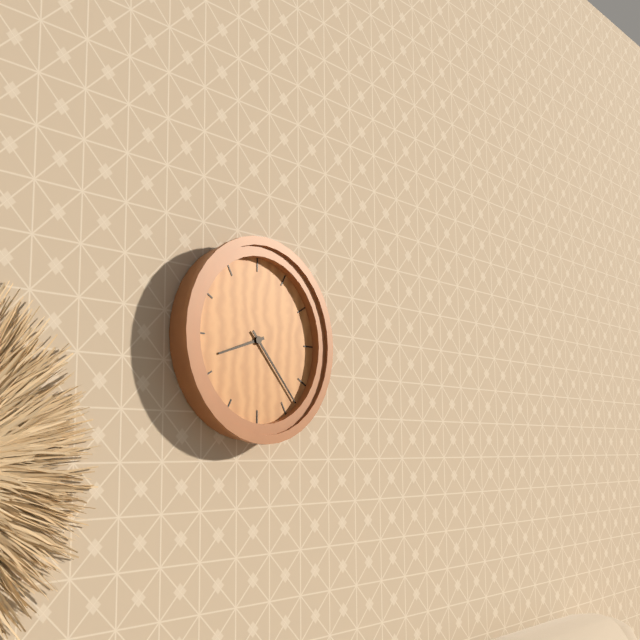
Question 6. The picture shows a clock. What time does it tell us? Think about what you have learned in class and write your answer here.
8:23
